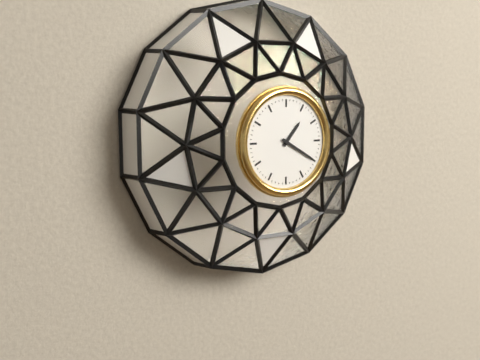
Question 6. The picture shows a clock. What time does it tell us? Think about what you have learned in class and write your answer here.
1:20
